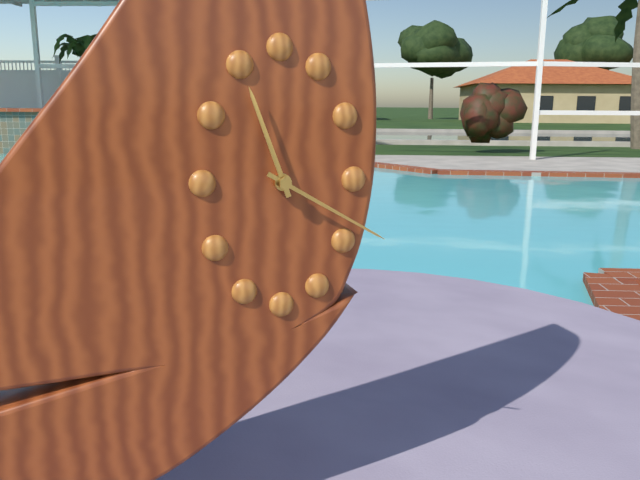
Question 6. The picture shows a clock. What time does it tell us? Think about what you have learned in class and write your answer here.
11:20
